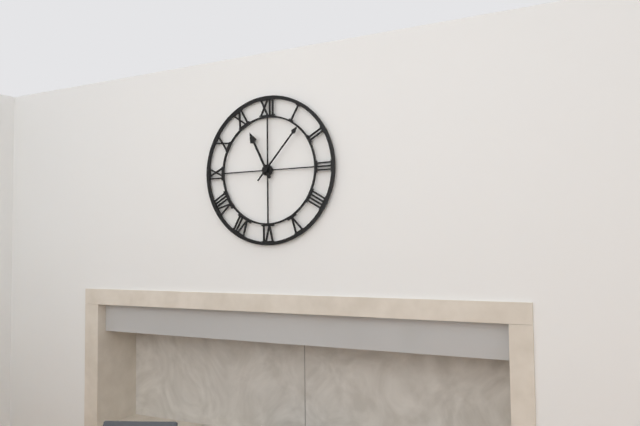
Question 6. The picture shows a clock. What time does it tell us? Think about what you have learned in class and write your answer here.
11:07
